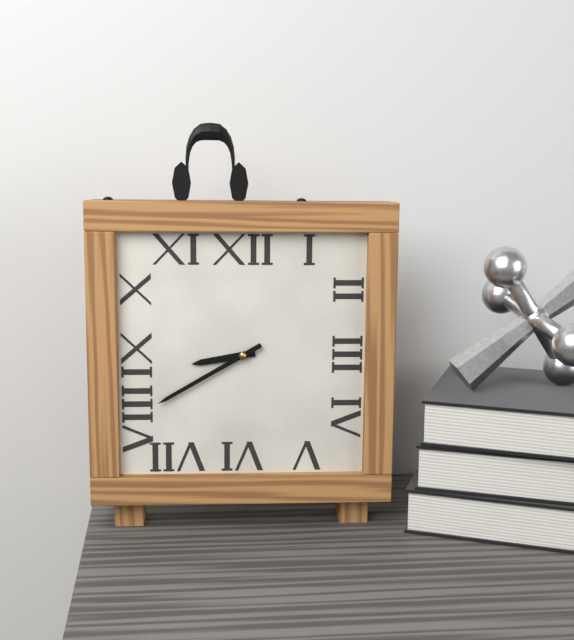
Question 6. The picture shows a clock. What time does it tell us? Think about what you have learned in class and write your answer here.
8:40
